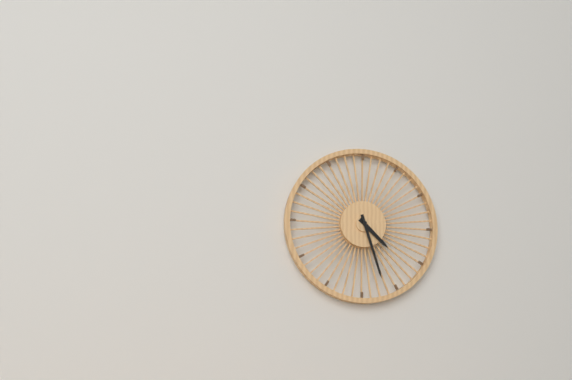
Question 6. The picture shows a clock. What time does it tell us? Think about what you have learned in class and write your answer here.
4:27
